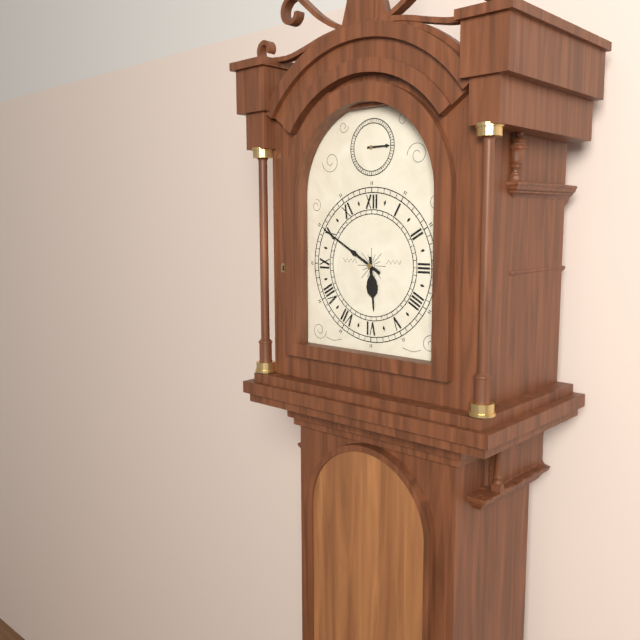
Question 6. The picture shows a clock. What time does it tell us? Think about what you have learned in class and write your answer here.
5:50
